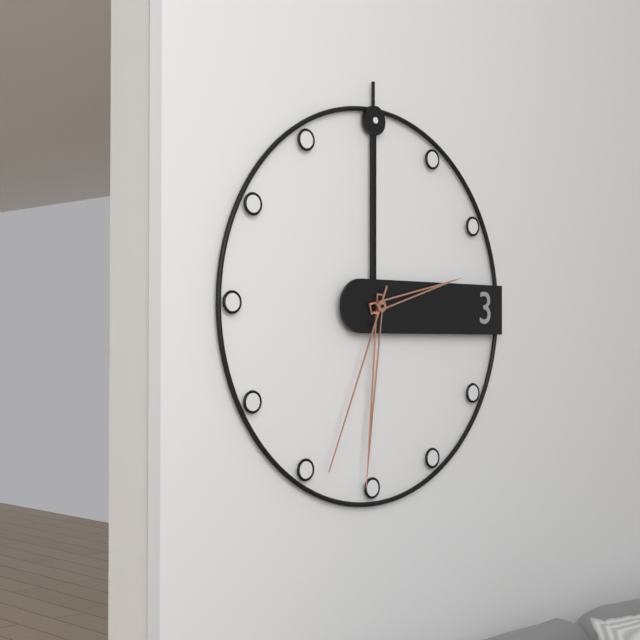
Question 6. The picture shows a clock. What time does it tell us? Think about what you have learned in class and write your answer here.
2:31:34
